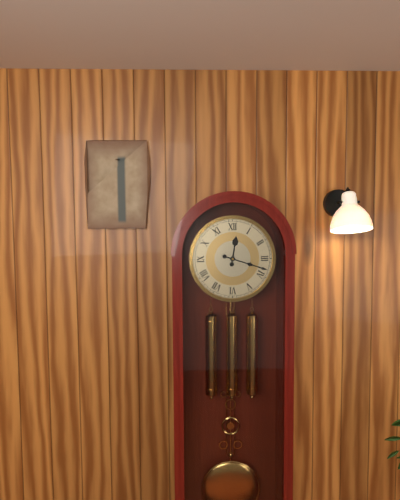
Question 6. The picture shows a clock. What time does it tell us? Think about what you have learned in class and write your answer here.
12:18
